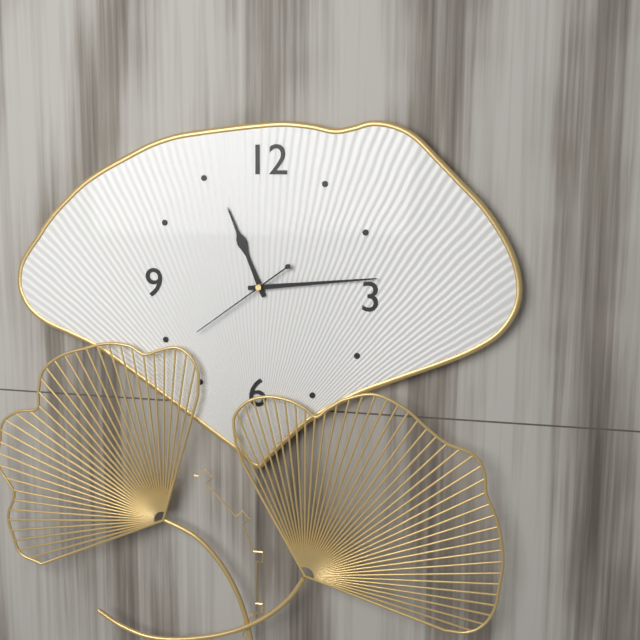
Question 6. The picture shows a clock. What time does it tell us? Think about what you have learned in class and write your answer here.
11:14:39
